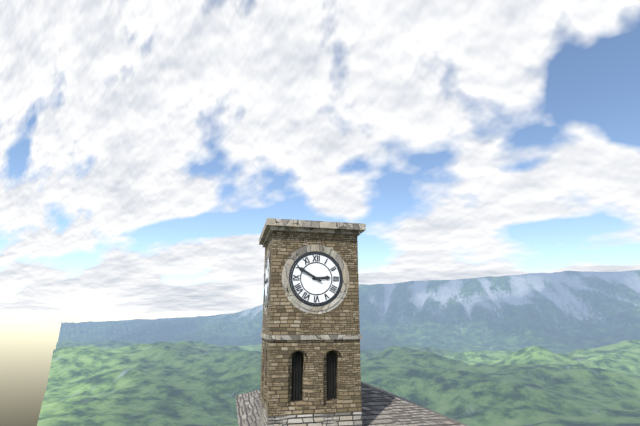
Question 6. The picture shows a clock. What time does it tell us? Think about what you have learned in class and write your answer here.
2:50
